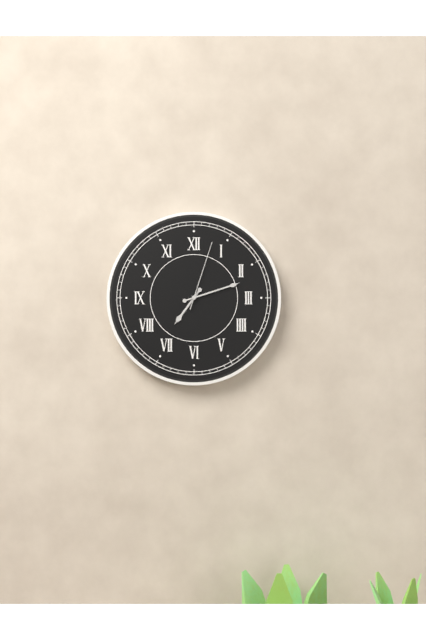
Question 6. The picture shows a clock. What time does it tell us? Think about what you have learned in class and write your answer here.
7:12:03
